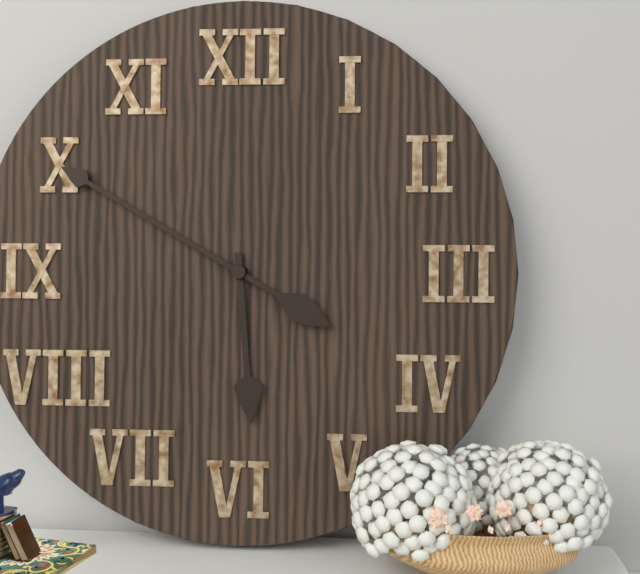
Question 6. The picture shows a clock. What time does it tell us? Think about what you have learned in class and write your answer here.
5:50
